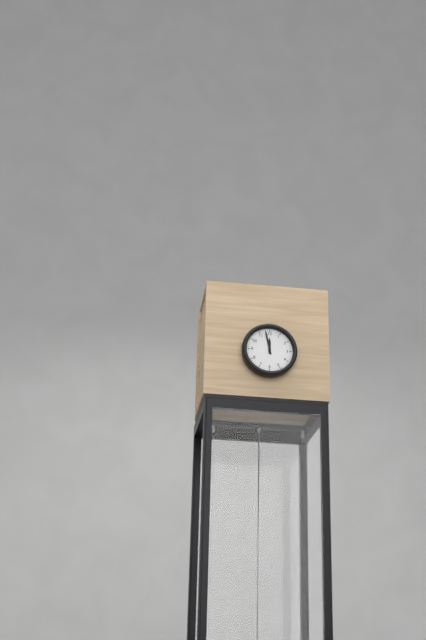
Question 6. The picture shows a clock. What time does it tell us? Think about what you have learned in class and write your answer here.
11:58
